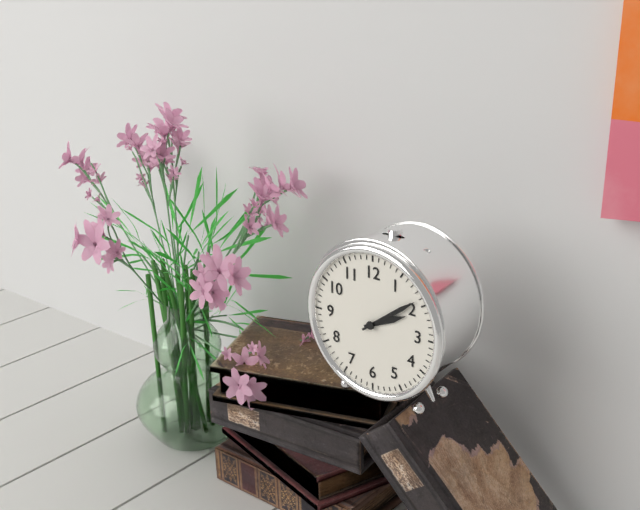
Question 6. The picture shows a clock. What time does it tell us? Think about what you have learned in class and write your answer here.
2:09
